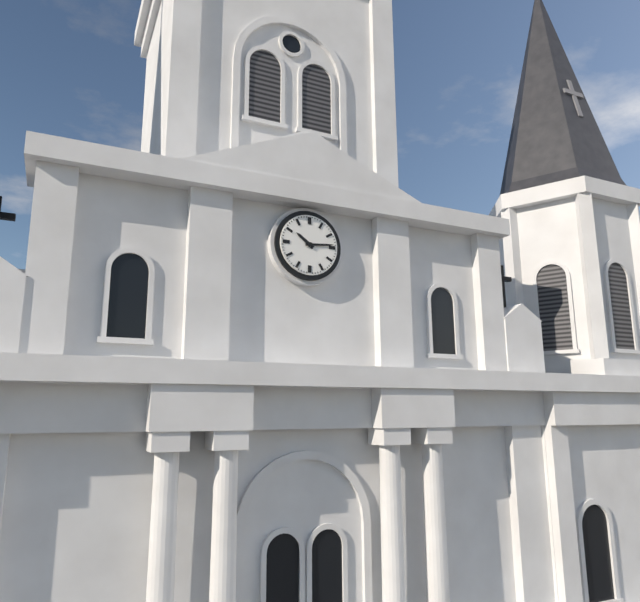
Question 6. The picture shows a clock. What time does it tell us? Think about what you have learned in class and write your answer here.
10:14
